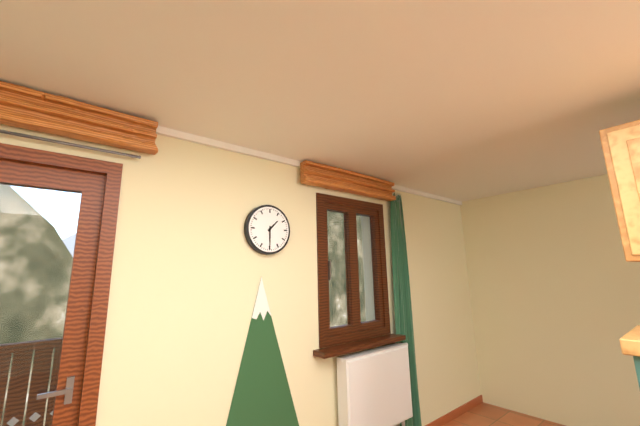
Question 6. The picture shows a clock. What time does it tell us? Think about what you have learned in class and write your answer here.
1:30
